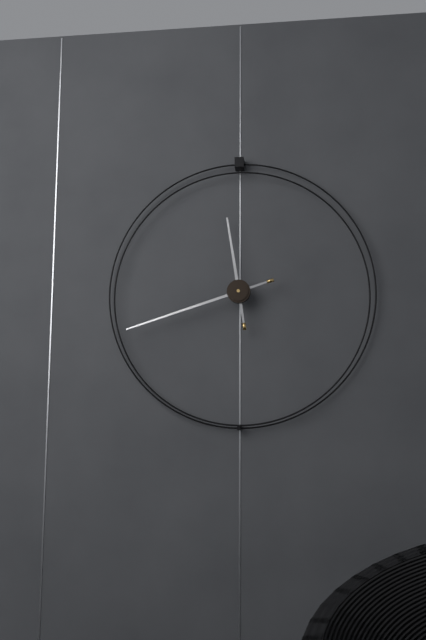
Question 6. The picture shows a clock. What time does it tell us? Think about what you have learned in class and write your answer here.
11:42
